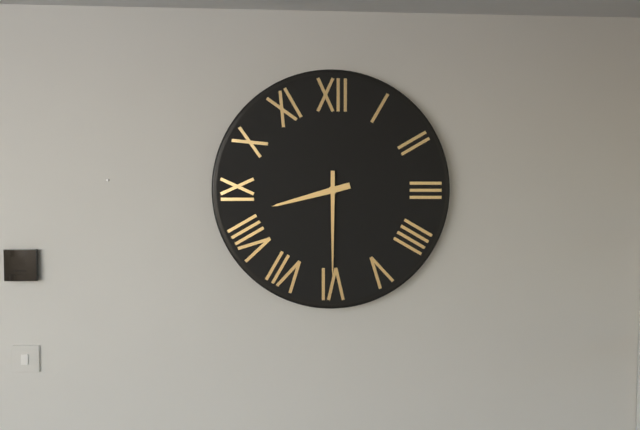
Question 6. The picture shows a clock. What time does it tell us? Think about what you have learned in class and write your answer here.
8:30
